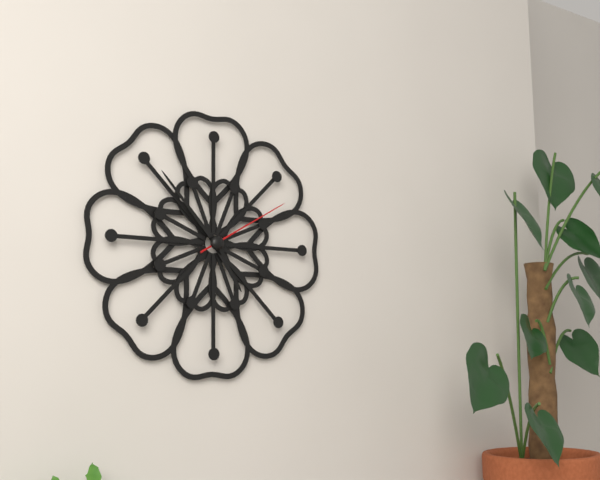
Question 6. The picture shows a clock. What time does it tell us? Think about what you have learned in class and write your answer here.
4:53:10
